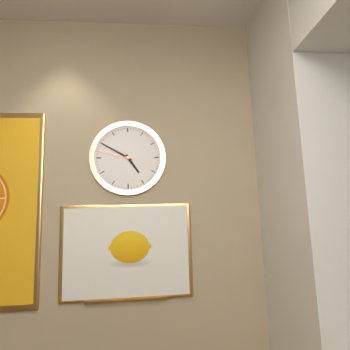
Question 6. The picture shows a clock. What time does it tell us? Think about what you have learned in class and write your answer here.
4:50
